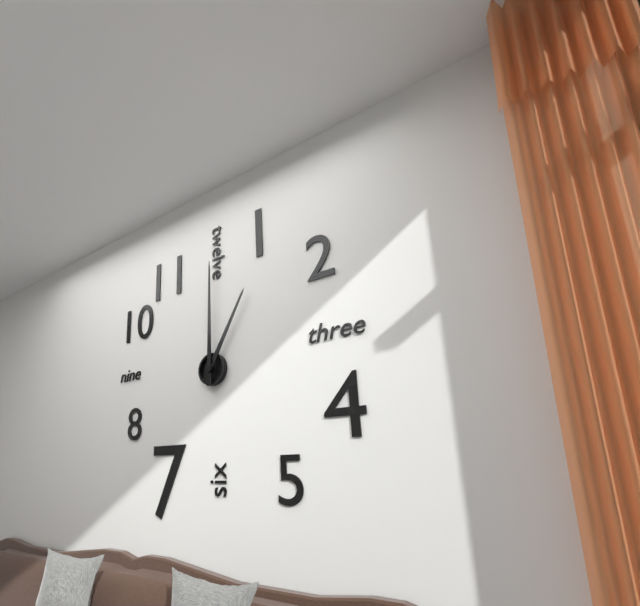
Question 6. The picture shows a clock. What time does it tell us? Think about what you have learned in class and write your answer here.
1:00
